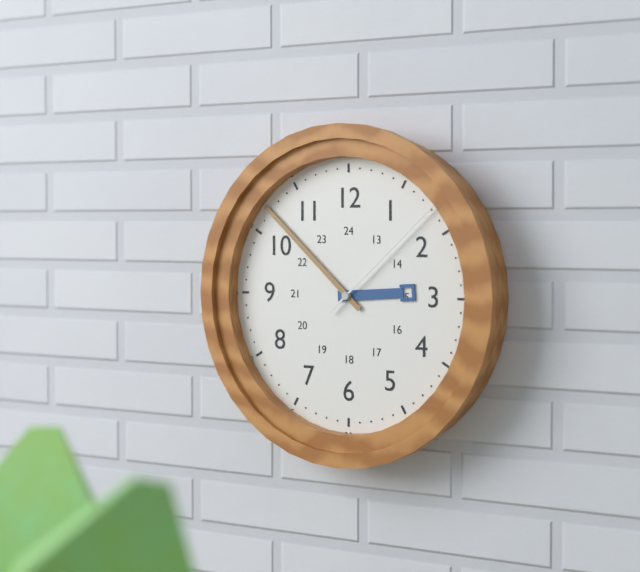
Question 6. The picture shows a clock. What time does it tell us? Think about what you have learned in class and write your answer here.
2:52:08
